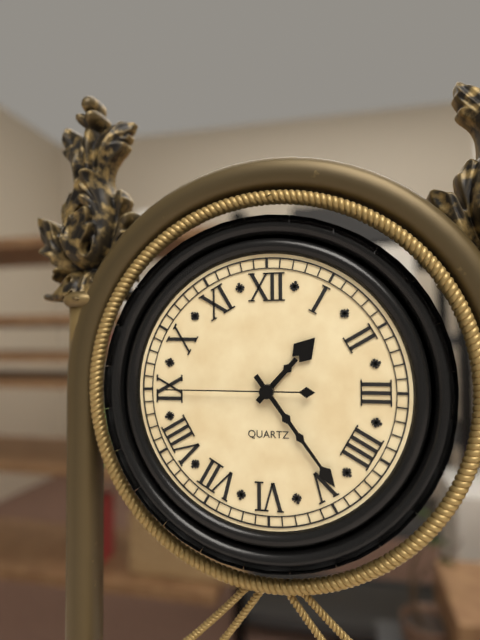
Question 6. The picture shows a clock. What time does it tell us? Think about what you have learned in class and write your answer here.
1:24:45
